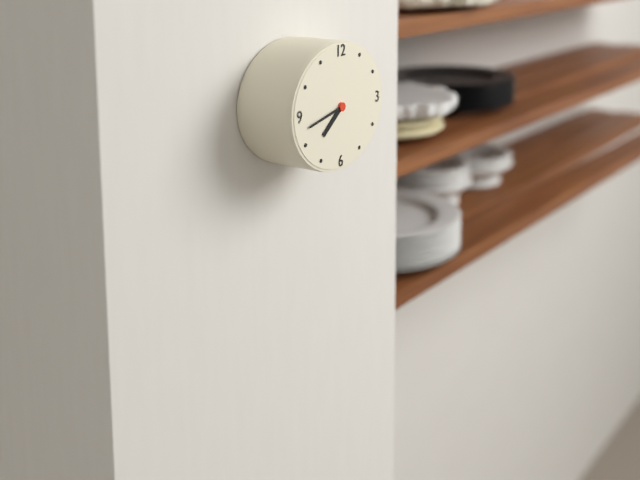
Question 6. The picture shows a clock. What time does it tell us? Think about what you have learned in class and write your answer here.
7:43
